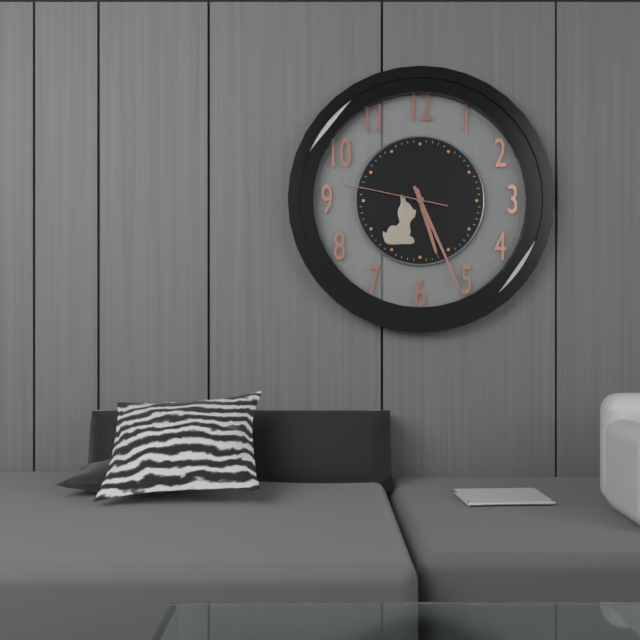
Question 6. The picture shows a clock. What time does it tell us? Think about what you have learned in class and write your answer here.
5:26:47
